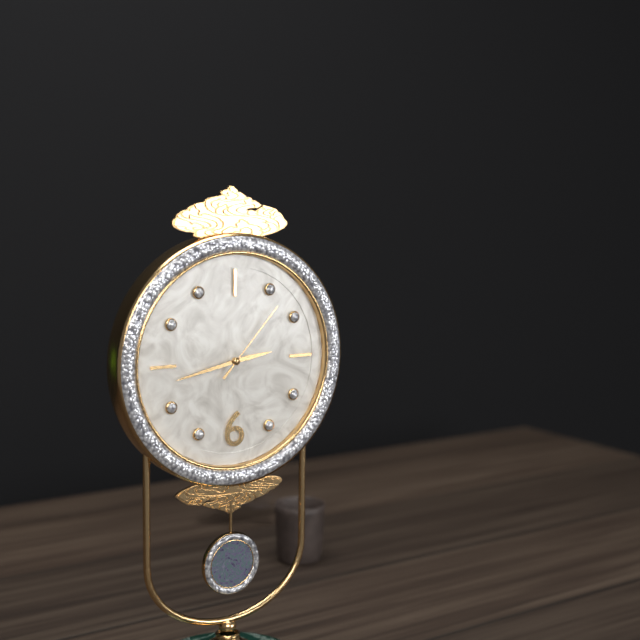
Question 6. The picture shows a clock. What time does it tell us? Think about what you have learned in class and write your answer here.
2:43:07
